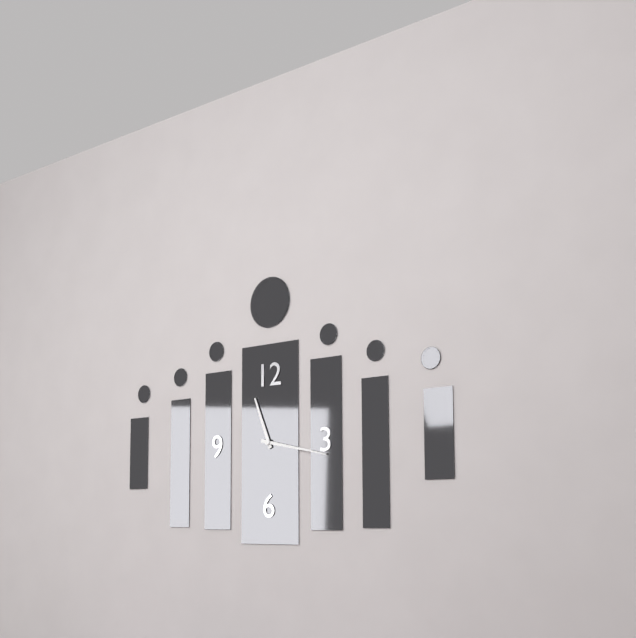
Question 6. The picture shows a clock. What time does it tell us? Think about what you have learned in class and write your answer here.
11:17
